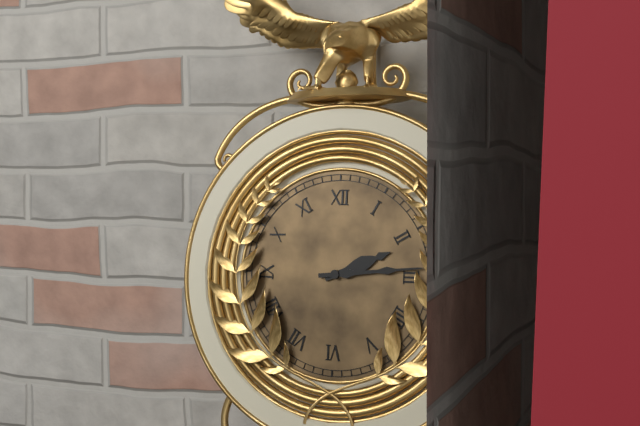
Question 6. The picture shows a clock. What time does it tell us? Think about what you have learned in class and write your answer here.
2:14
